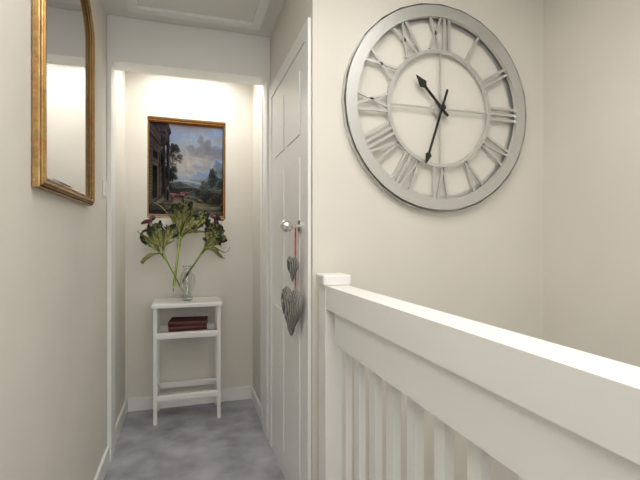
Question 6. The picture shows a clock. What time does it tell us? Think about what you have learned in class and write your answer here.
10:33
